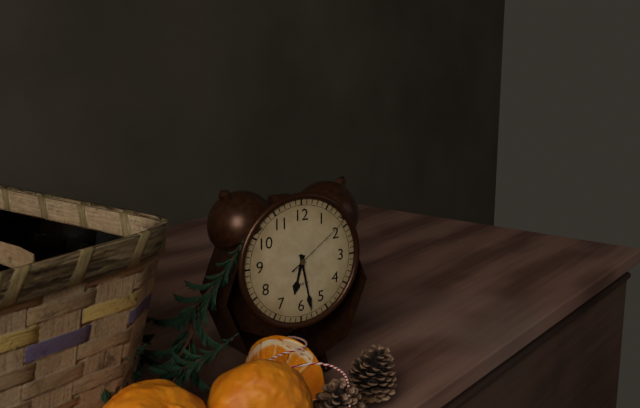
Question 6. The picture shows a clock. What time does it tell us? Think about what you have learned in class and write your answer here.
6:28:09
